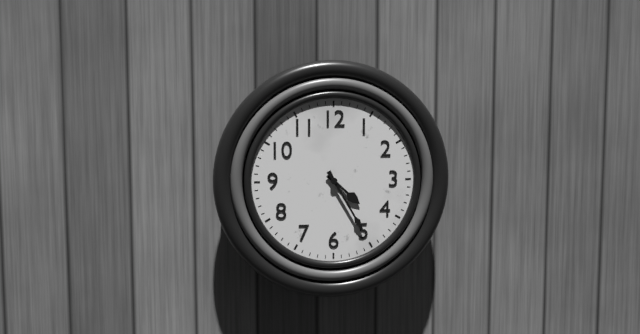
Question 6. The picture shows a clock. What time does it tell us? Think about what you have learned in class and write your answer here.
4:25
